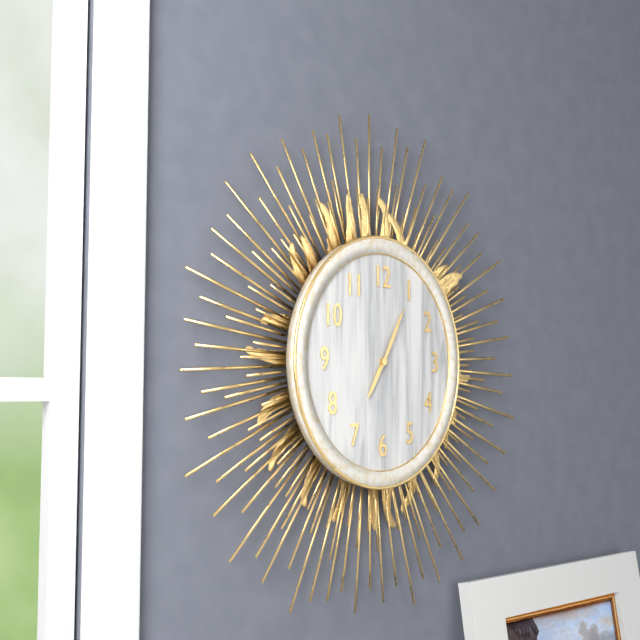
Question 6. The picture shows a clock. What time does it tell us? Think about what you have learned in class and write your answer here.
7:05
